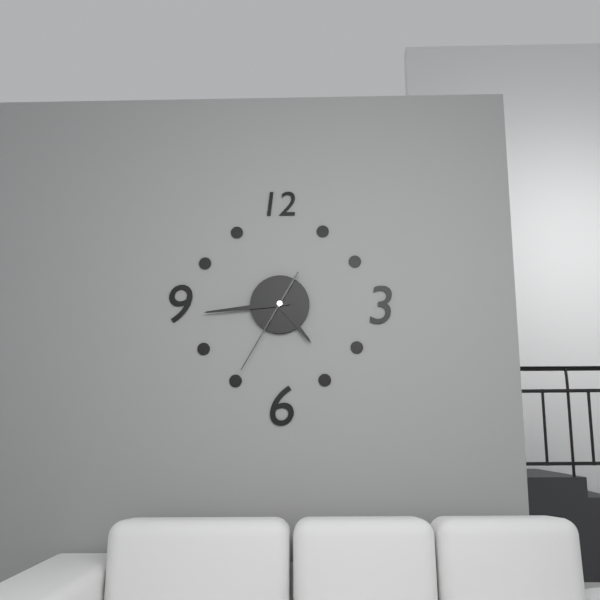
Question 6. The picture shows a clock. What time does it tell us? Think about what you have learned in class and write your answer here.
4:44:35
